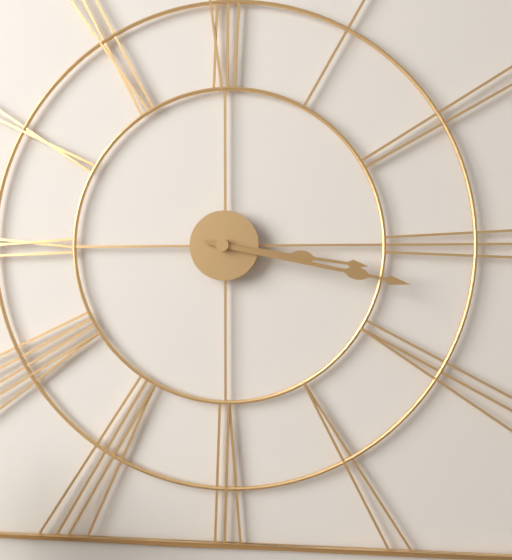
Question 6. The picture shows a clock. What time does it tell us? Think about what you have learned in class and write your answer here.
3:17
